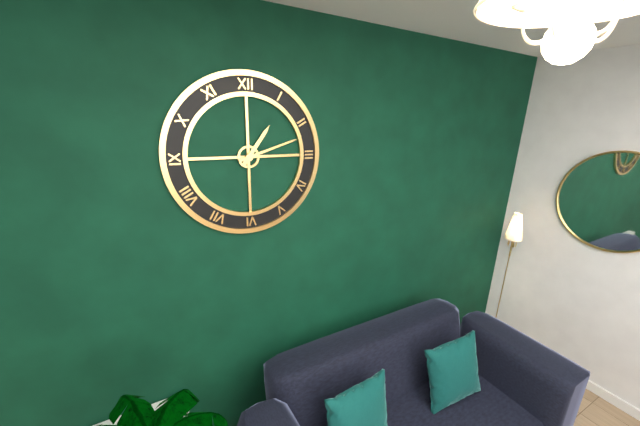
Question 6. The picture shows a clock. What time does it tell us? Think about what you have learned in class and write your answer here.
1:12
